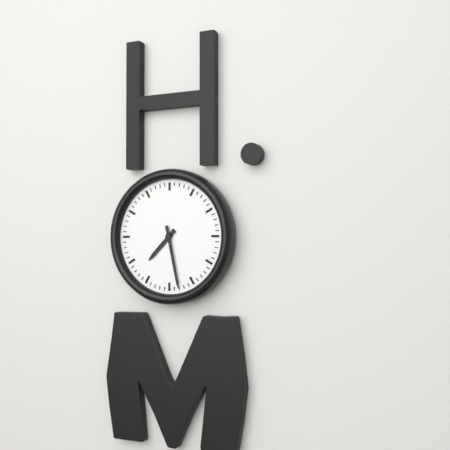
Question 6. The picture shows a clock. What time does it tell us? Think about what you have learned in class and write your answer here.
7:28
